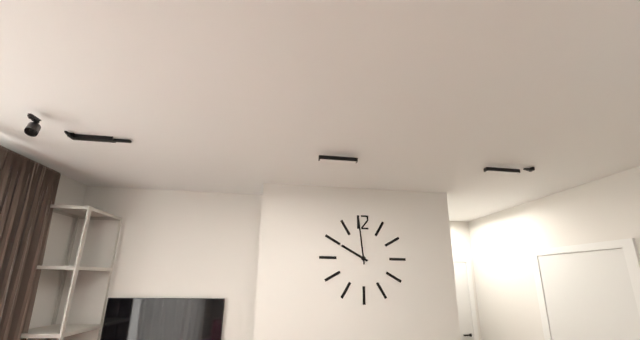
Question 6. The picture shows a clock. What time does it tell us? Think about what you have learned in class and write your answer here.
9:59
